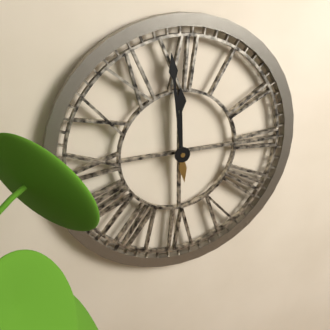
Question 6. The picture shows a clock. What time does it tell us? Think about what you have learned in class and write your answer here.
11:59
